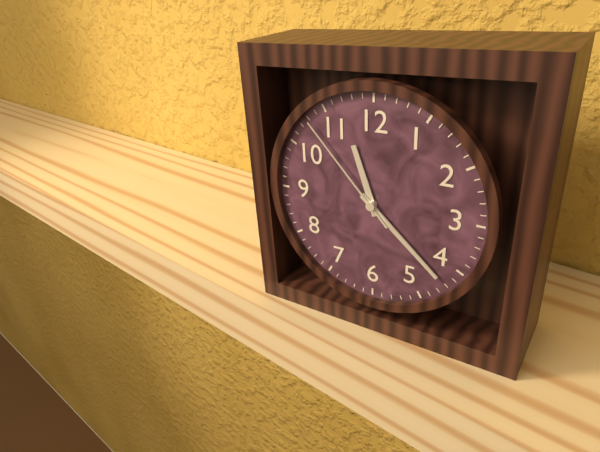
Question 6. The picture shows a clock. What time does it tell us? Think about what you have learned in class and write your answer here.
11:22:53
